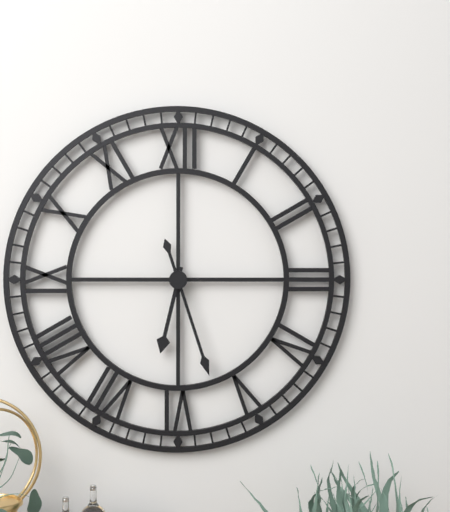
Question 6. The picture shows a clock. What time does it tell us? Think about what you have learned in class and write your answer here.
6:27
